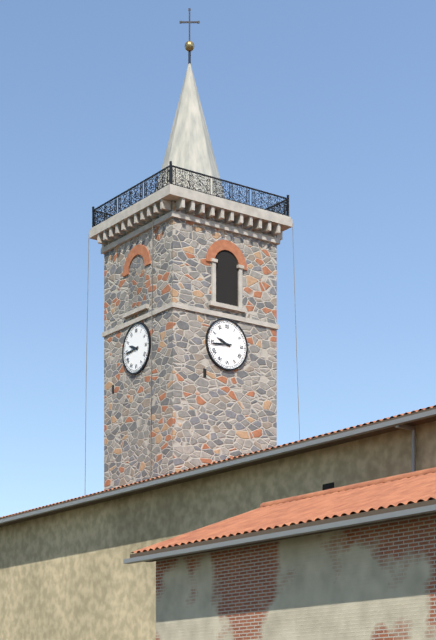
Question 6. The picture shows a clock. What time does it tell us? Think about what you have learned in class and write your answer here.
9:44
